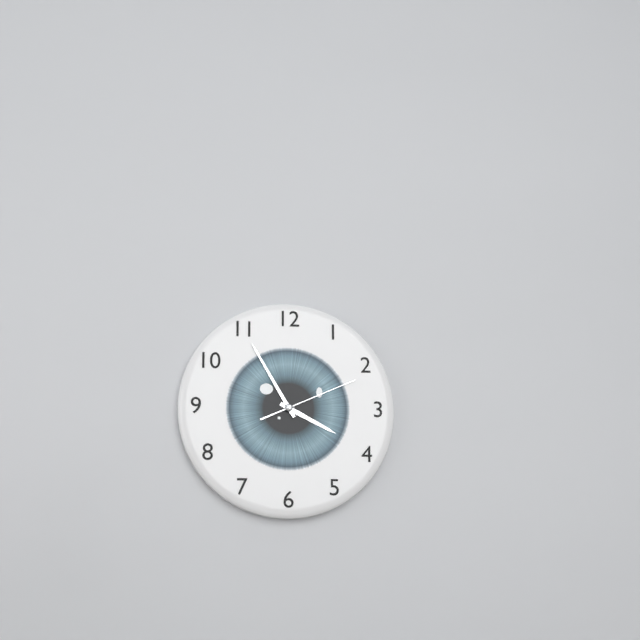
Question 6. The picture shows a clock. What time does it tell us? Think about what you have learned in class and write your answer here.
3:55:11
